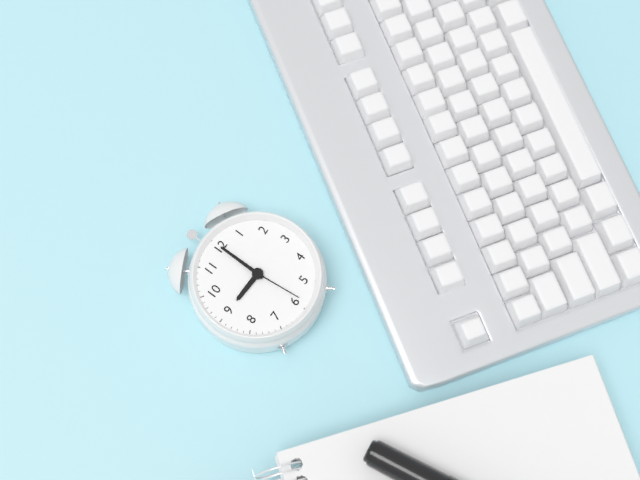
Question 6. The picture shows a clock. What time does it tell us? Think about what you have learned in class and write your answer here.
9:00:29
